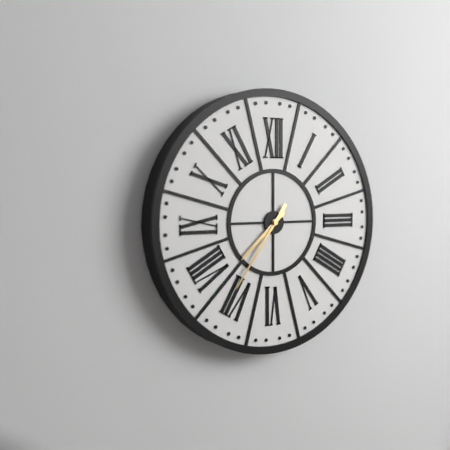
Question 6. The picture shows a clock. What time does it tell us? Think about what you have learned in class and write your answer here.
7:36
